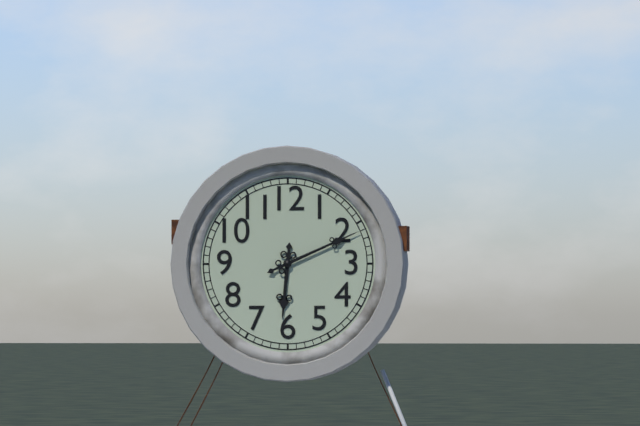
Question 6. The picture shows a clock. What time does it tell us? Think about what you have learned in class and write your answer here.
6:11
